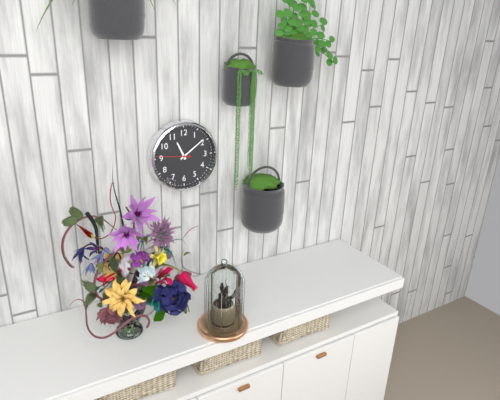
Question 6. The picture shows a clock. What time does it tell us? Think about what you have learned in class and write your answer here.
11:09
